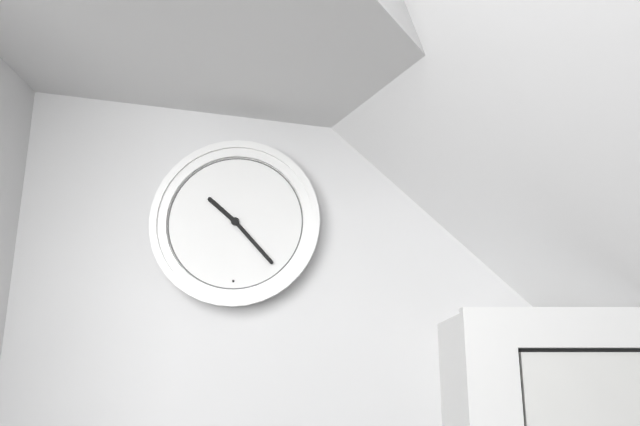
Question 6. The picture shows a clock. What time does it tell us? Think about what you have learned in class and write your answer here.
10:23
